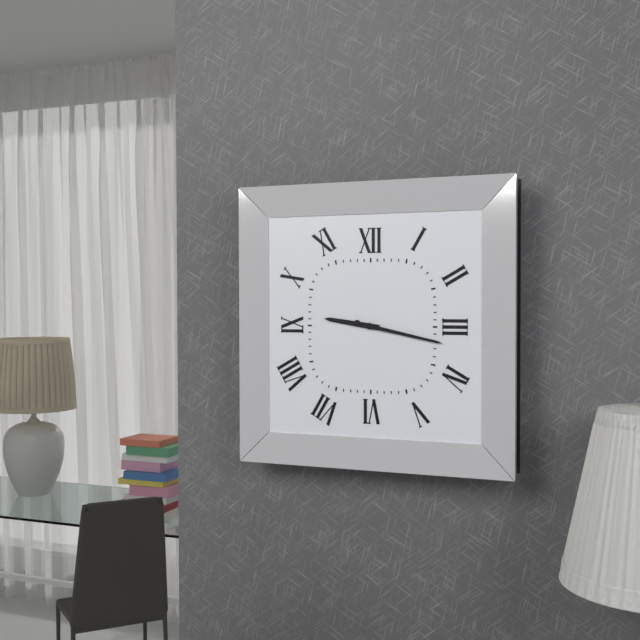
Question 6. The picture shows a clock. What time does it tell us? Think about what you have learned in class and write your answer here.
9:17
